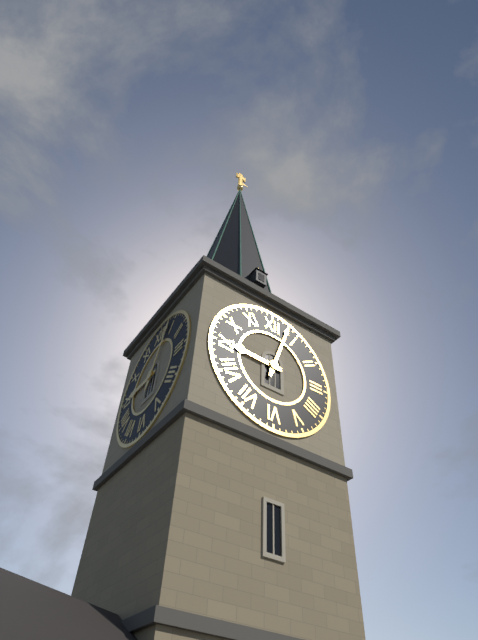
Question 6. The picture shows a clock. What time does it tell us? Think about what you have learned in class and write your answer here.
9:03
